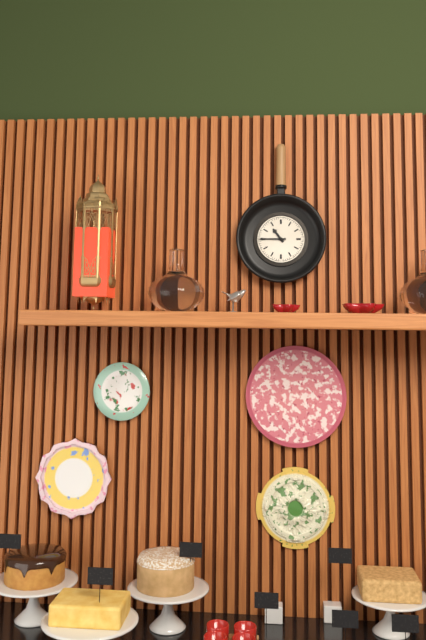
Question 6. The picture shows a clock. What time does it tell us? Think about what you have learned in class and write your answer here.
10:45
